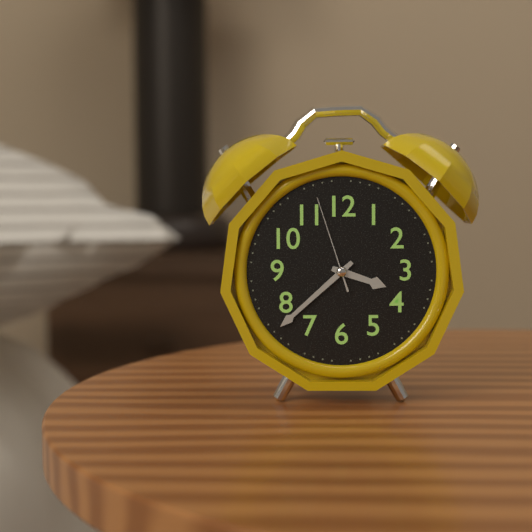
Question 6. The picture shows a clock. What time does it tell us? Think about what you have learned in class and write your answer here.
3:38:57
